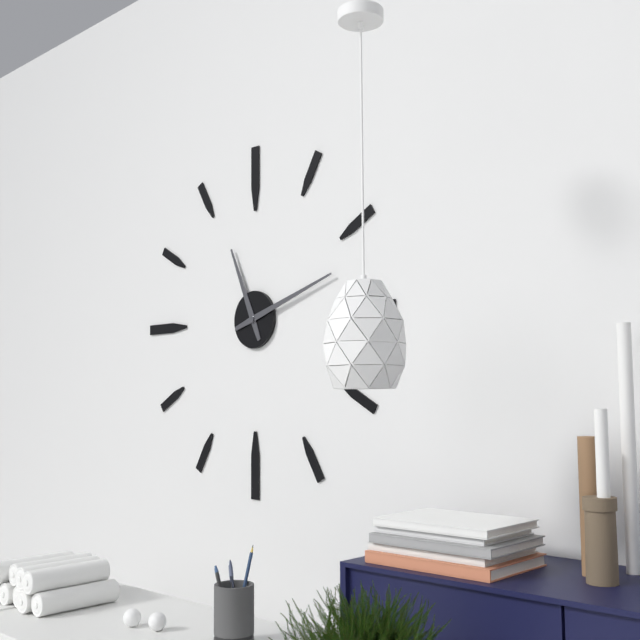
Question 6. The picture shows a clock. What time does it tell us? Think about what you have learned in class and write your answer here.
11:12
